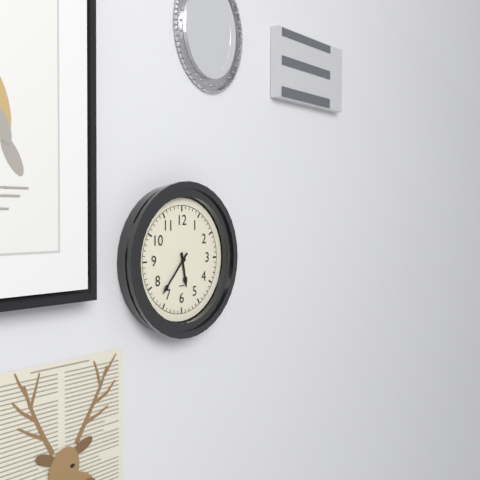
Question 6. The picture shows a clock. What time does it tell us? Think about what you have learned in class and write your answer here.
5:37
